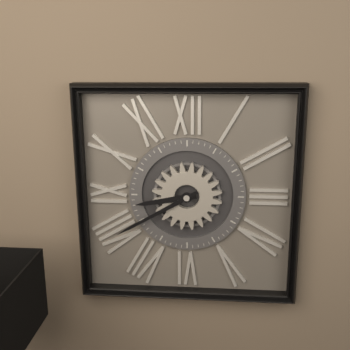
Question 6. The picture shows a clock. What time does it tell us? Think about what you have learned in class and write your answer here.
8:40
